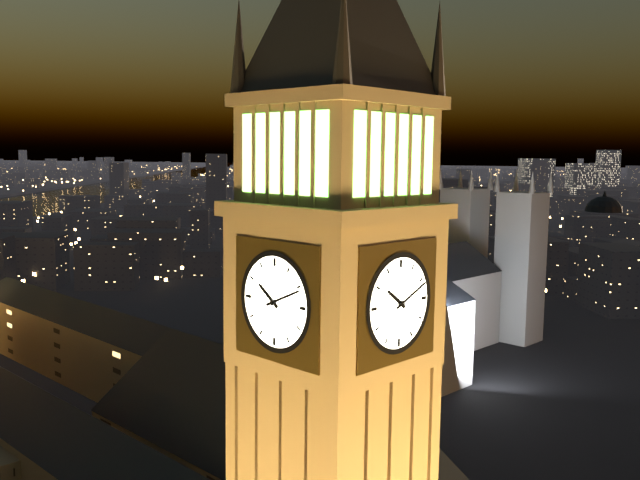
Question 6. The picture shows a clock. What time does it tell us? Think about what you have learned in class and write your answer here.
10:11
